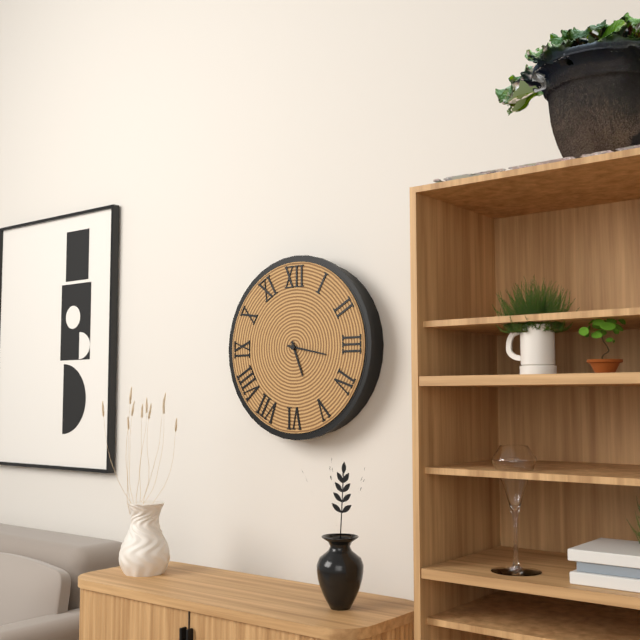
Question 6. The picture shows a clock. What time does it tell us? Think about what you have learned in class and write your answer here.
5:17
